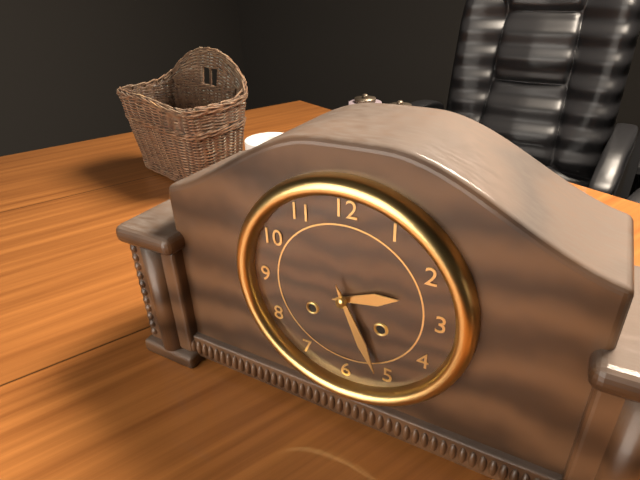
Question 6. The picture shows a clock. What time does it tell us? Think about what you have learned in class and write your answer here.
2:26
